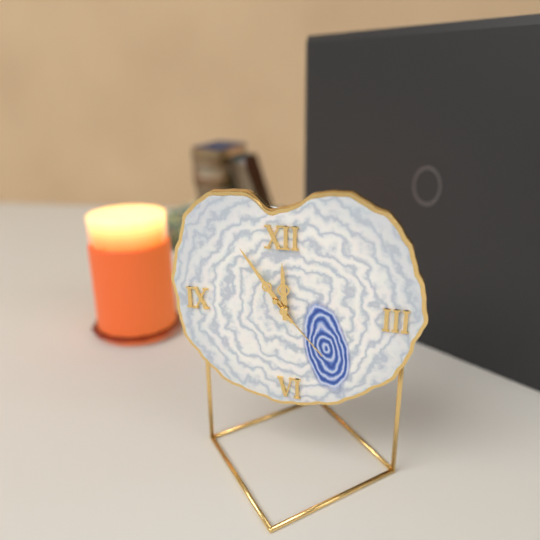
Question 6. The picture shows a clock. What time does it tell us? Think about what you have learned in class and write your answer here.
11:54:23
